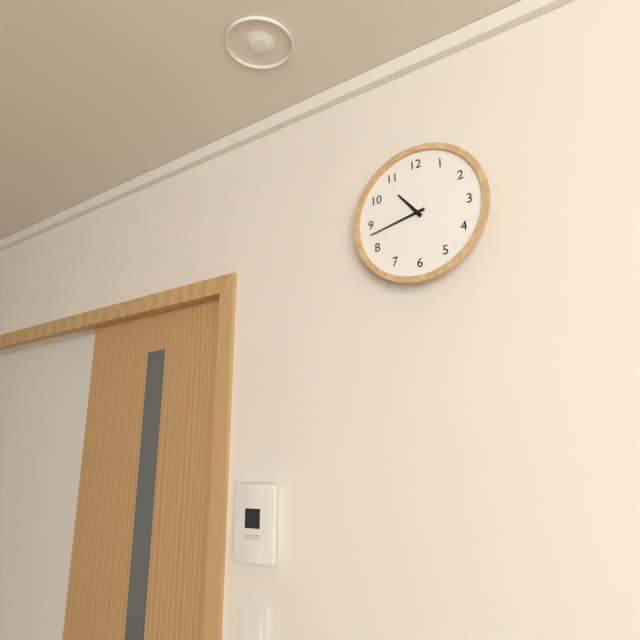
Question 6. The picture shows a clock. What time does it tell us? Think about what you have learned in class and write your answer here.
10:43
